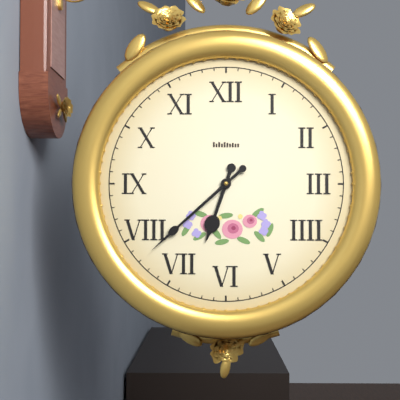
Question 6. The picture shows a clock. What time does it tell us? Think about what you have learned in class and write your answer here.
6:38
